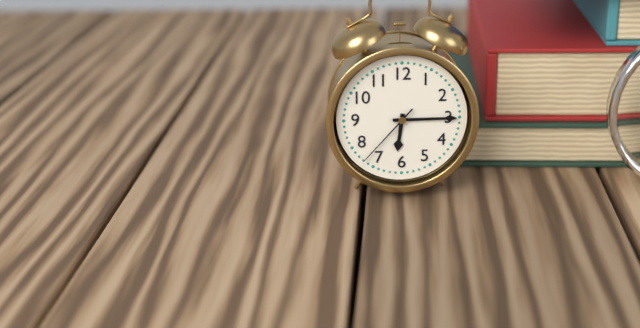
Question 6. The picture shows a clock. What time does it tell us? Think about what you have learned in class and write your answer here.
6:15:37
